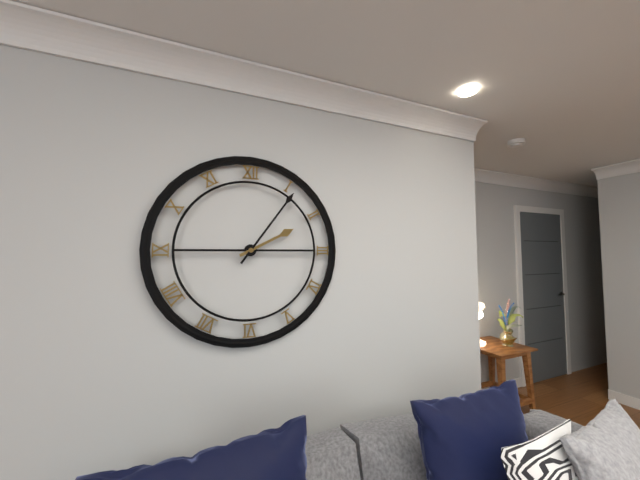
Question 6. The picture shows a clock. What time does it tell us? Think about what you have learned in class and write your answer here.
2:06
